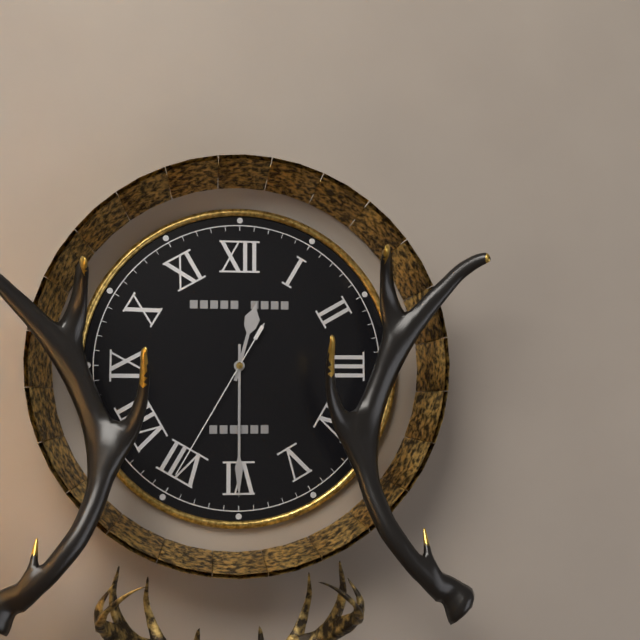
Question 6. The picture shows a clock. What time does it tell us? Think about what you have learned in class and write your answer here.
12:30:35
